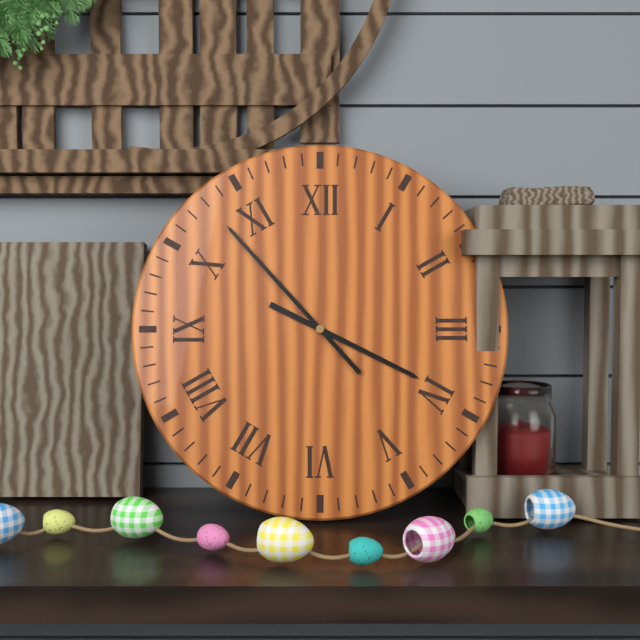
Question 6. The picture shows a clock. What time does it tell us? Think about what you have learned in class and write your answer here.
3:53
